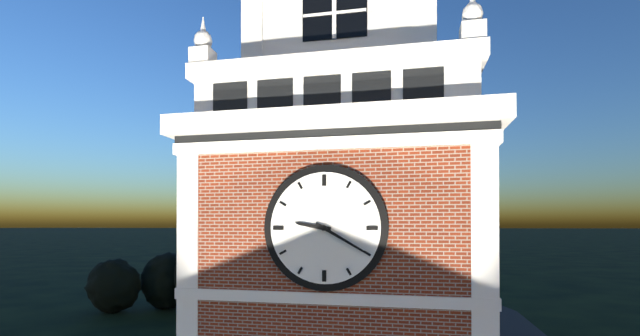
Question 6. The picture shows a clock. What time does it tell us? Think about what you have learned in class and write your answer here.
9:20
